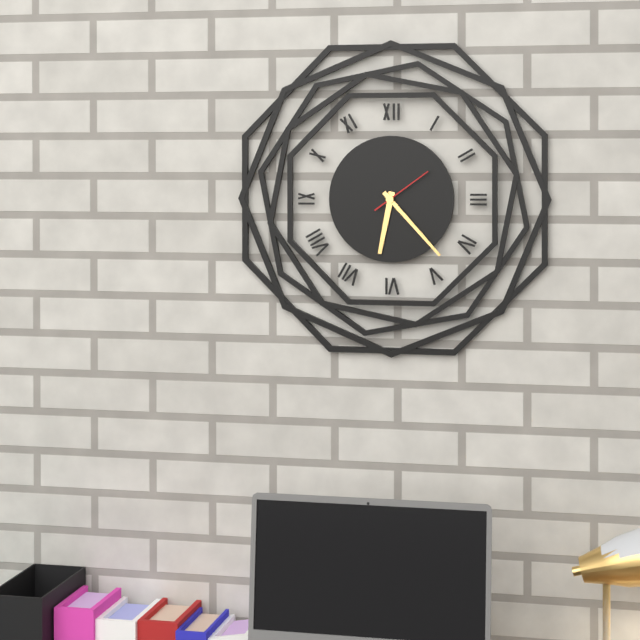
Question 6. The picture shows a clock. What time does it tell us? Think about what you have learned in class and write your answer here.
6:23:09
